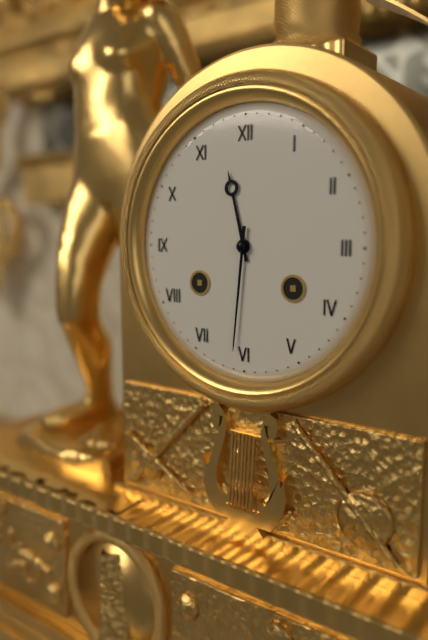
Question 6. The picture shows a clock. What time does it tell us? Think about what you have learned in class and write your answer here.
11:31
